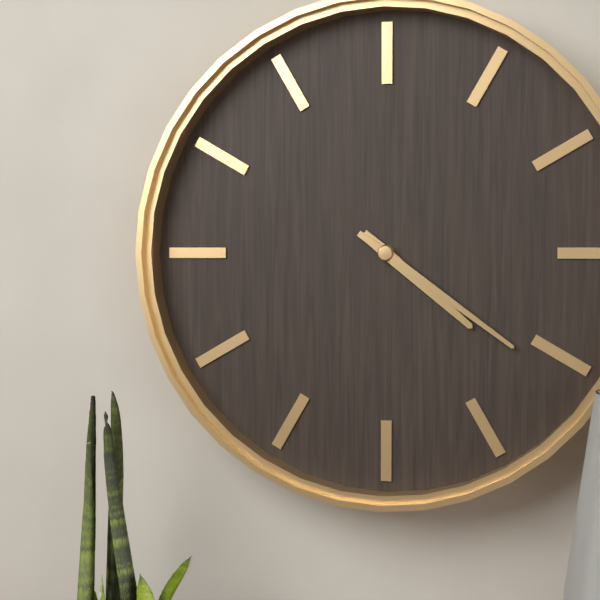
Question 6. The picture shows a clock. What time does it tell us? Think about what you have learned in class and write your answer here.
4:21
